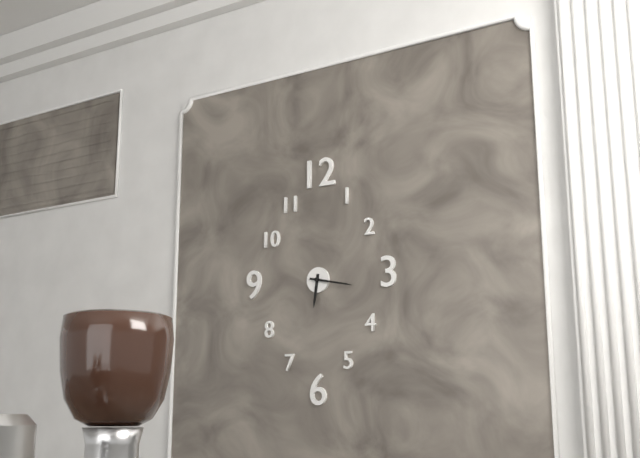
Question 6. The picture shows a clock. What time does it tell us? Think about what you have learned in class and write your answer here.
6:17
